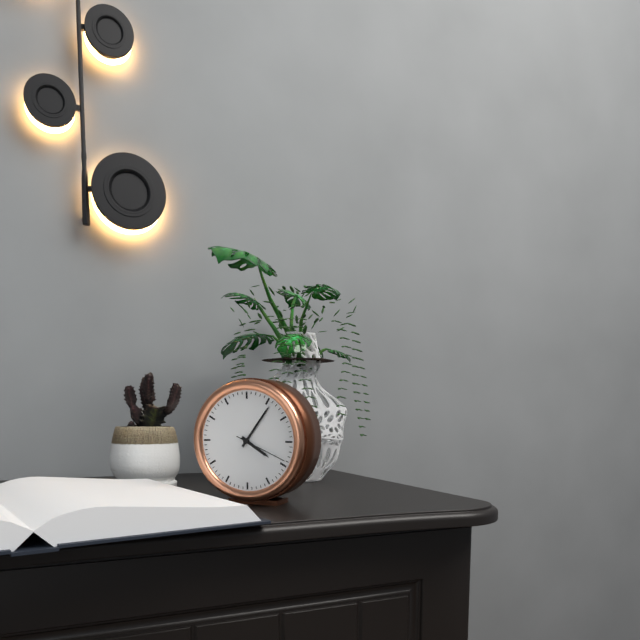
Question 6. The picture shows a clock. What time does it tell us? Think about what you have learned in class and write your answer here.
4:06
